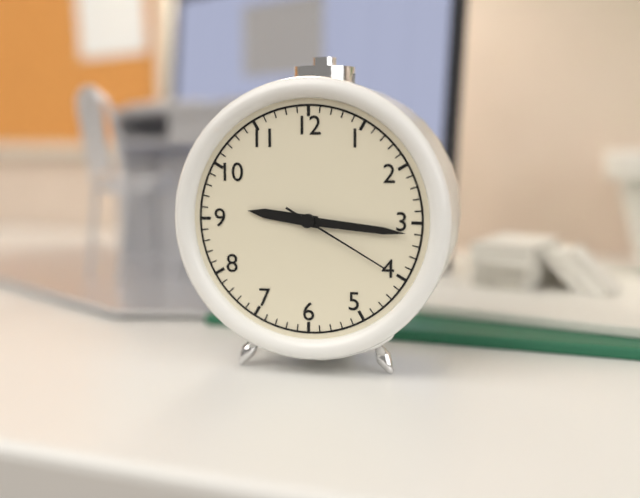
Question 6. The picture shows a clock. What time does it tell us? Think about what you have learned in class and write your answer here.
9:16:20
